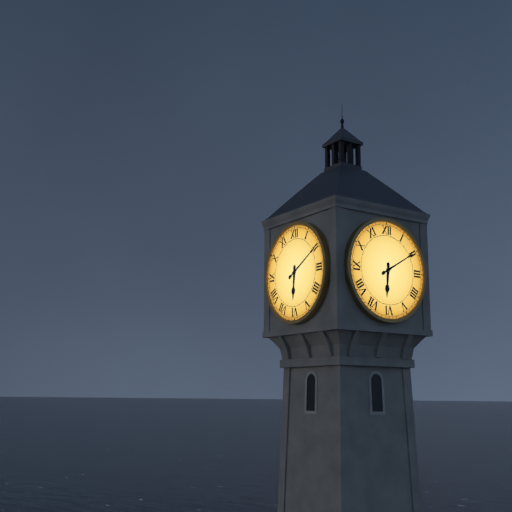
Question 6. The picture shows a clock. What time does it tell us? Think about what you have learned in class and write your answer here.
6:10
